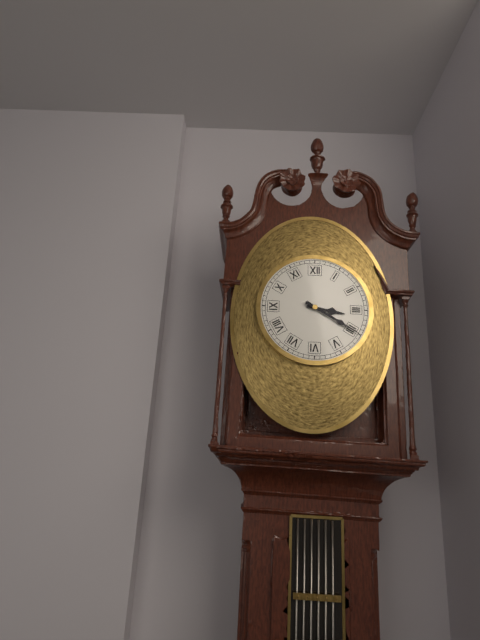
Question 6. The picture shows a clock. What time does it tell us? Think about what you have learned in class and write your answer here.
3:20
